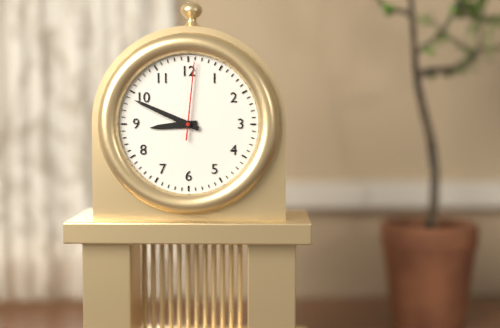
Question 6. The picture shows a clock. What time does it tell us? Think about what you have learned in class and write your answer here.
8:49:01
